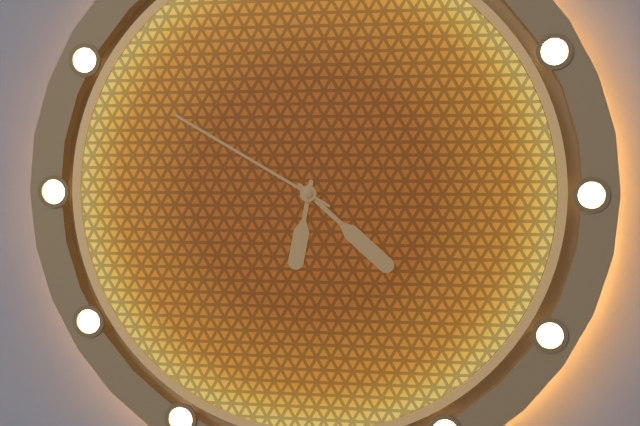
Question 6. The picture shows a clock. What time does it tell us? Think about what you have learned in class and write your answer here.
6:22:50
